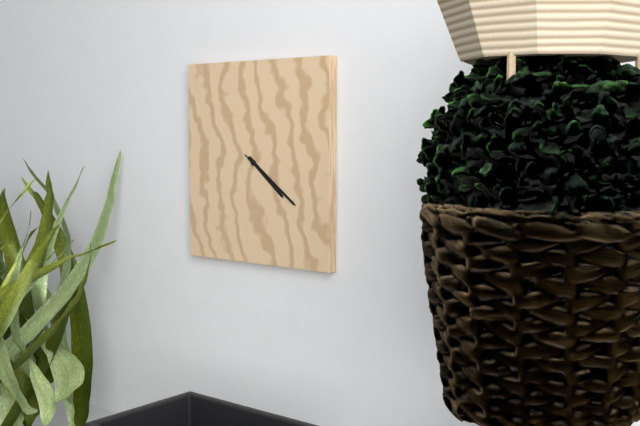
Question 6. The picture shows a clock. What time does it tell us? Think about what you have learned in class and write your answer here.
4:21:21
